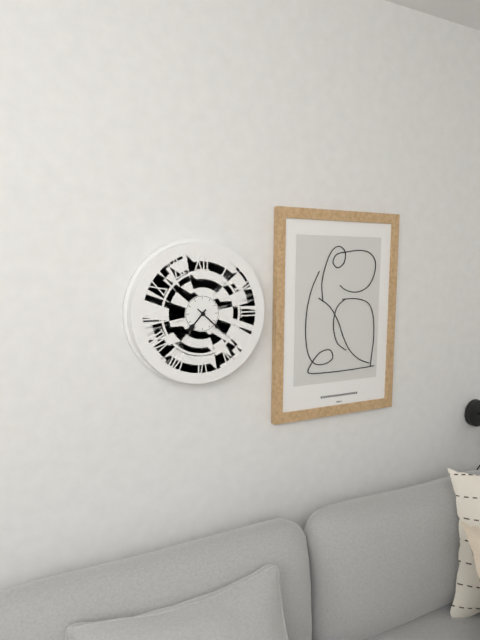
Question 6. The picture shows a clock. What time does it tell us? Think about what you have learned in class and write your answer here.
7:22
